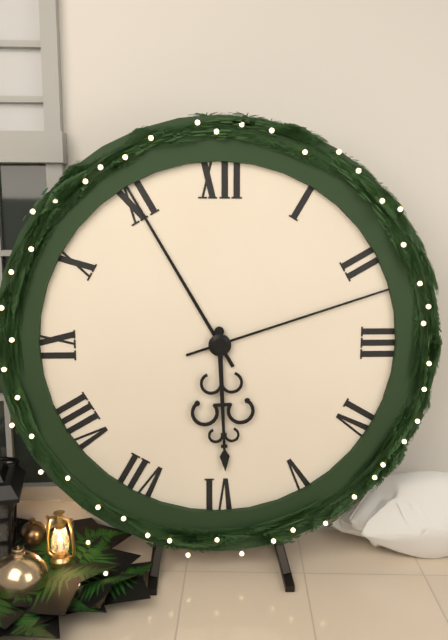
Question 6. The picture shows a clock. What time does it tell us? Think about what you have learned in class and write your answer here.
5:55:12
